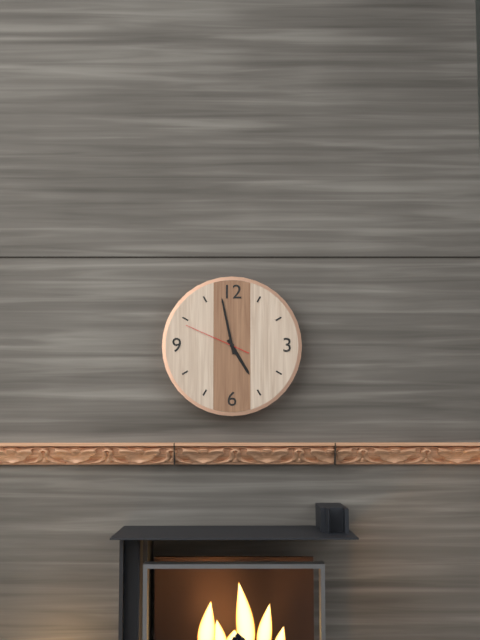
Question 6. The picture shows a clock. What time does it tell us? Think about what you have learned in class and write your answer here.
4:58:49
